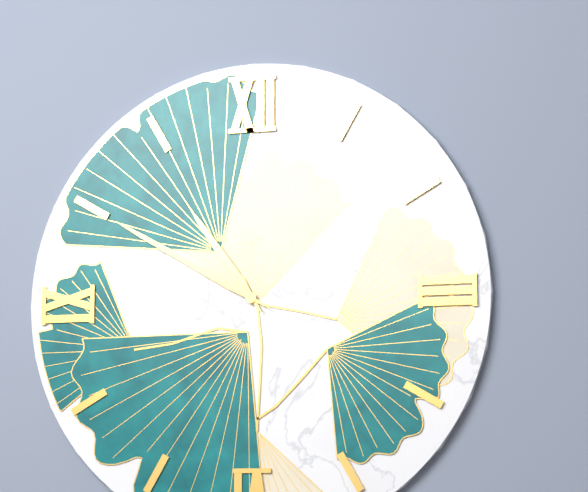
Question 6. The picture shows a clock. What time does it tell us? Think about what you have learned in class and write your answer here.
10:50
